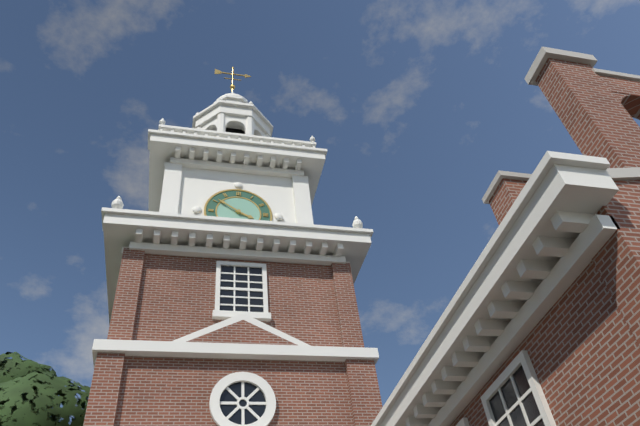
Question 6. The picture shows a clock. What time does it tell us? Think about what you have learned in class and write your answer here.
3:51
